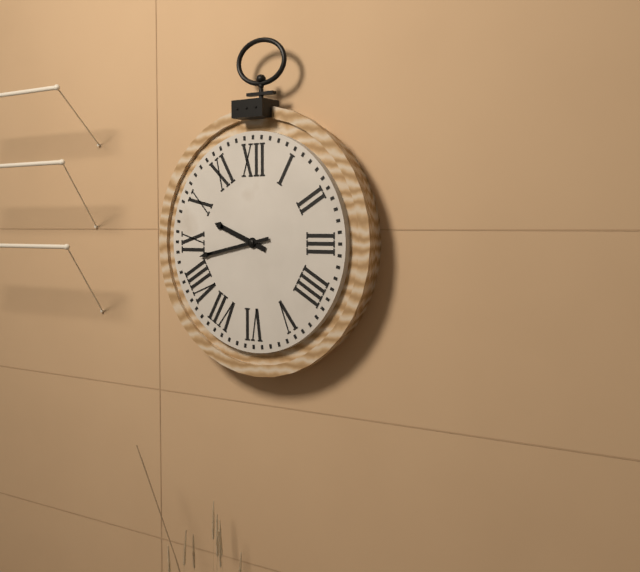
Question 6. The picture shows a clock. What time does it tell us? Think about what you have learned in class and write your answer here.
9:43
